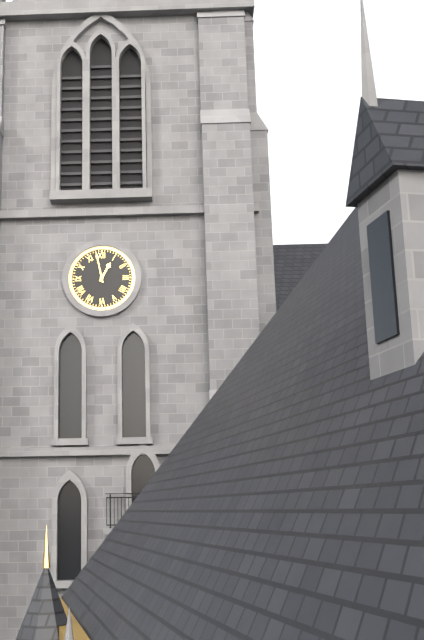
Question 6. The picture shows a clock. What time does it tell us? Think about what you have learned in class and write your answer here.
12:58
